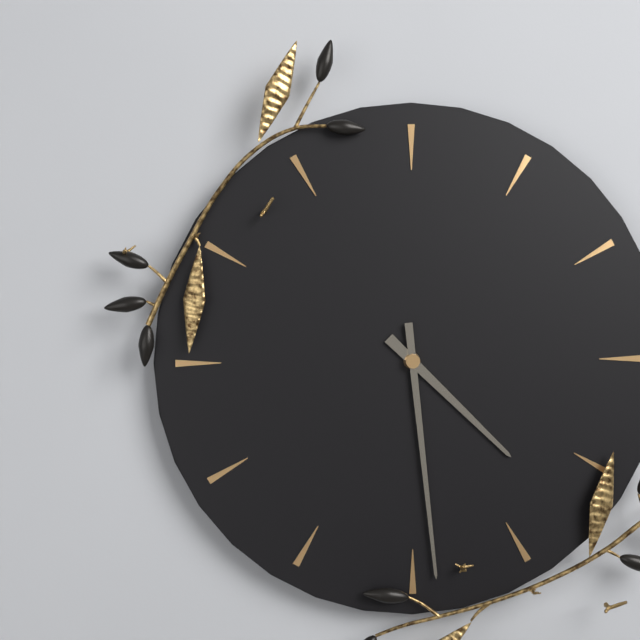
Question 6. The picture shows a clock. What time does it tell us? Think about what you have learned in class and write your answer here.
4:29
